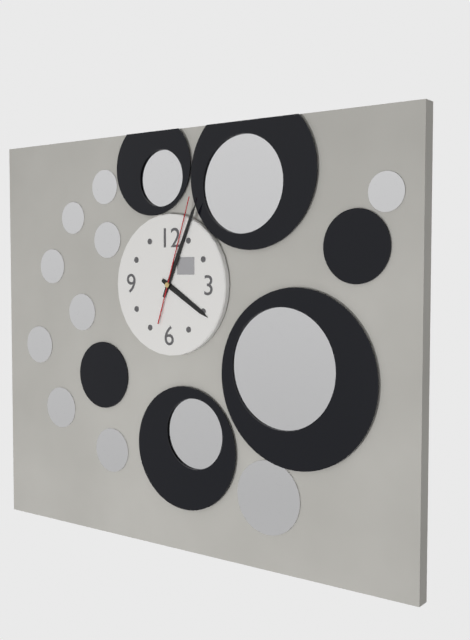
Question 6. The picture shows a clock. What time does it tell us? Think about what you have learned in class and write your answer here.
4:04:03
